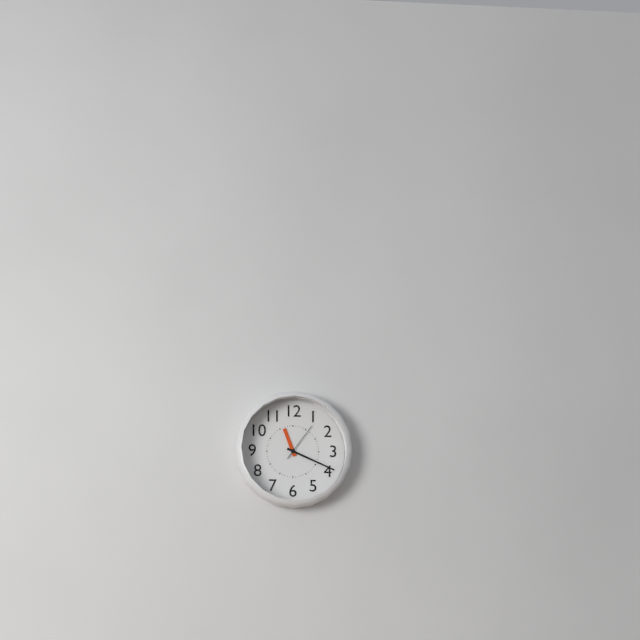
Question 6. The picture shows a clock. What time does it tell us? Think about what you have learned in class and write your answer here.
11:19
